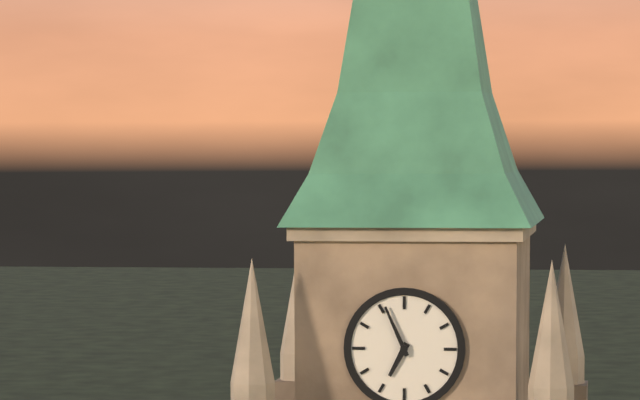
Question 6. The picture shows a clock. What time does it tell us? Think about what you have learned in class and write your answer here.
6:56
